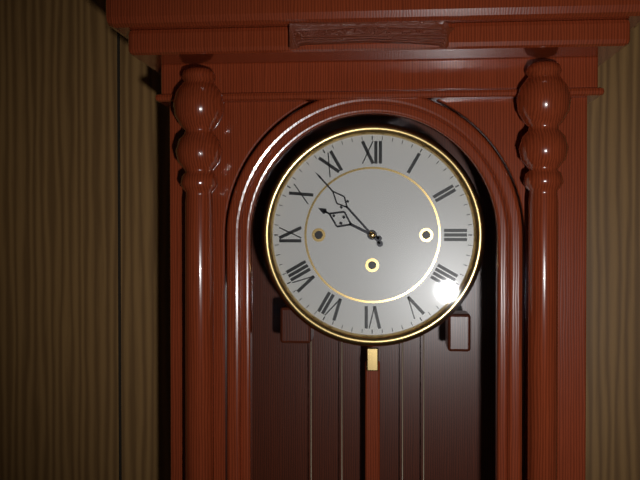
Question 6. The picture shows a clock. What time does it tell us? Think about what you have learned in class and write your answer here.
9:53
